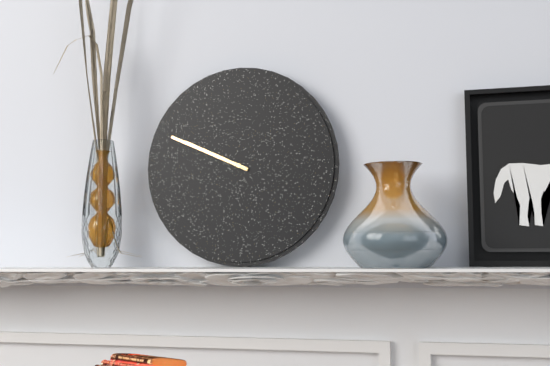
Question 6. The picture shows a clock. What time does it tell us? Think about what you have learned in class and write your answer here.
9:49
